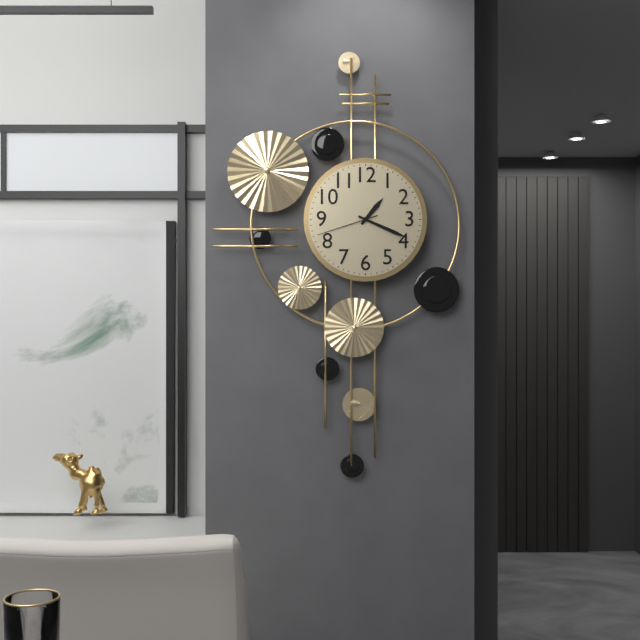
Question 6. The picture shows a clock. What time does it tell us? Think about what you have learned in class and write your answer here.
1:19:42
